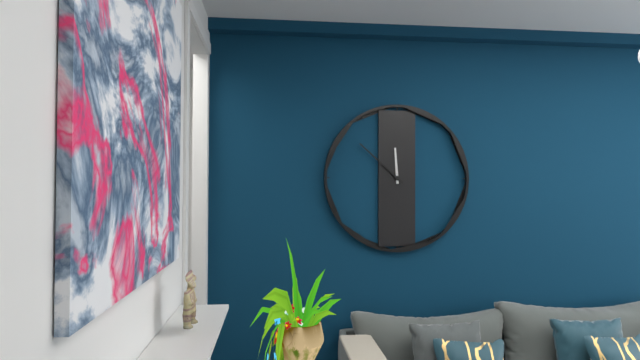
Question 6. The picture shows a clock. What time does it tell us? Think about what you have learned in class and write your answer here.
11:52
